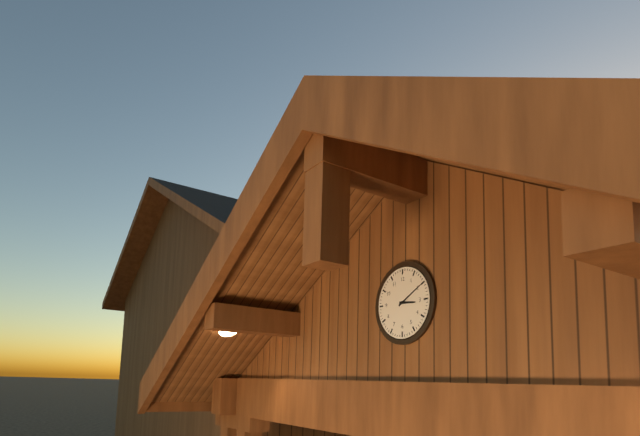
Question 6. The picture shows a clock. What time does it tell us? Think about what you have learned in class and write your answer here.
3:10
